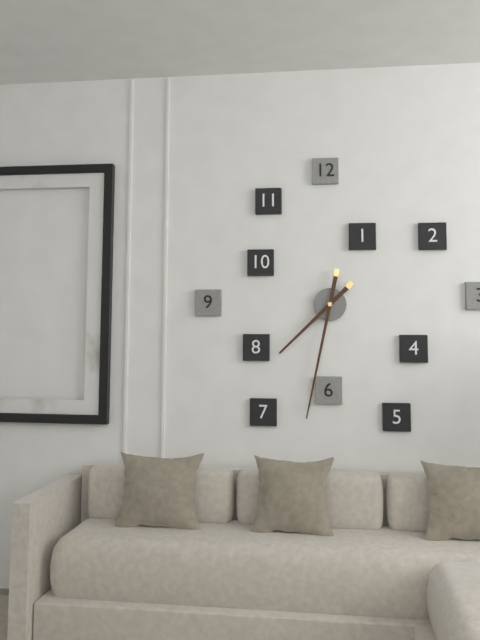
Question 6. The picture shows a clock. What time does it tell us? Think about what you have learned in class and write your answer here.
7:32
